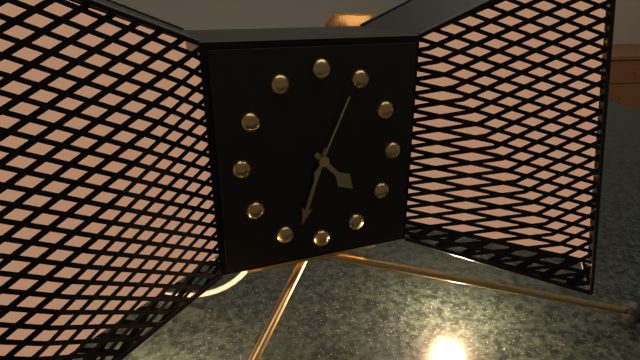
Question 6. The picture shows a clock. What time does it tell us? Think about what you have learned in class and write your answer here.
4:33:04
